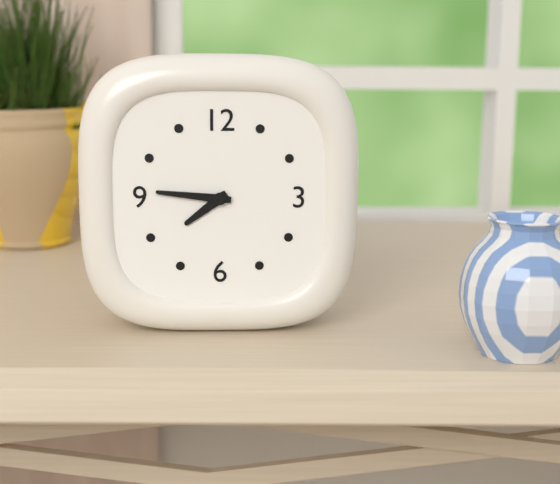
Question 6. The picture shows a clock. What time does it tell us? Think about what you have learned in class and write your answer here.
7:46
